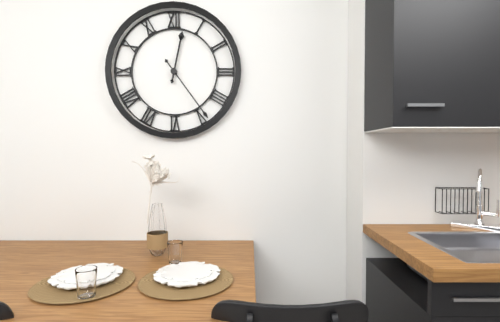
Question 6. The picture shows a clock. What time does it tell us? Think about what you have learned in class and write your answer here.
12:24
